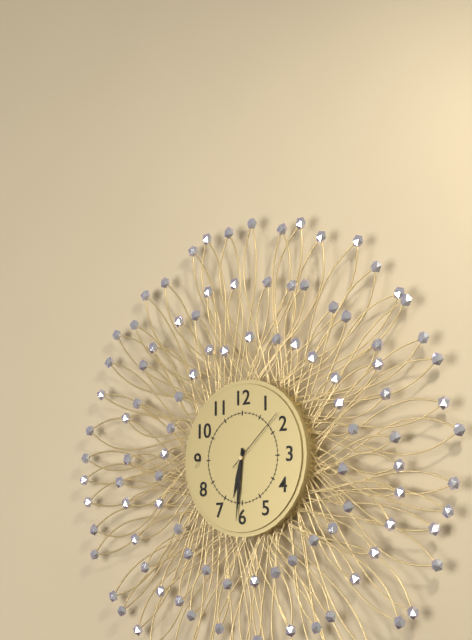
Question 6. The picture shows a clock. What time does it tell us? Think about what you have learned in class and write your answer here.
6:31:08
